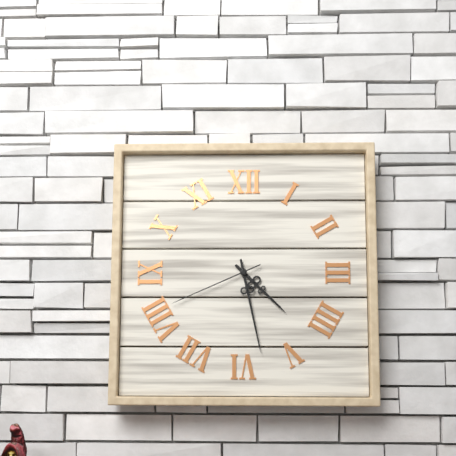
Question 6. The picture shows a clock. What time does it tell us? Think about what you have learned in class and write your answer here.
4:28:41
